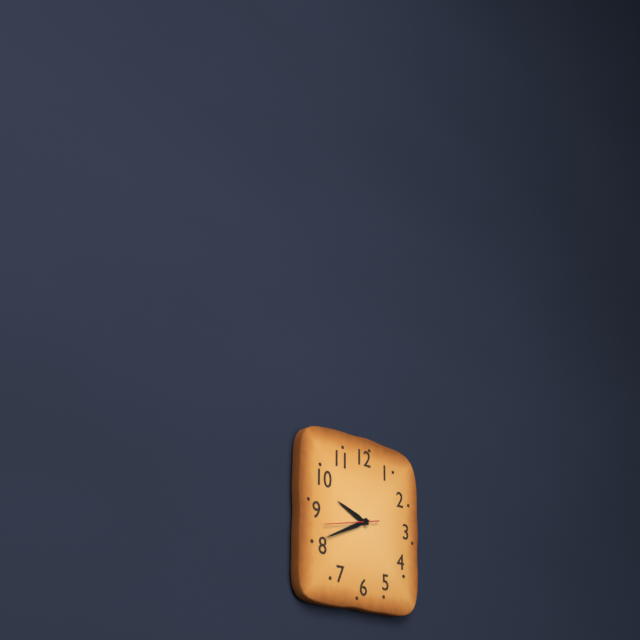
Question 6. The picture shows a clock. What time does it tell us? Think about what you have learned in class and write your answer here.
9:41:43
